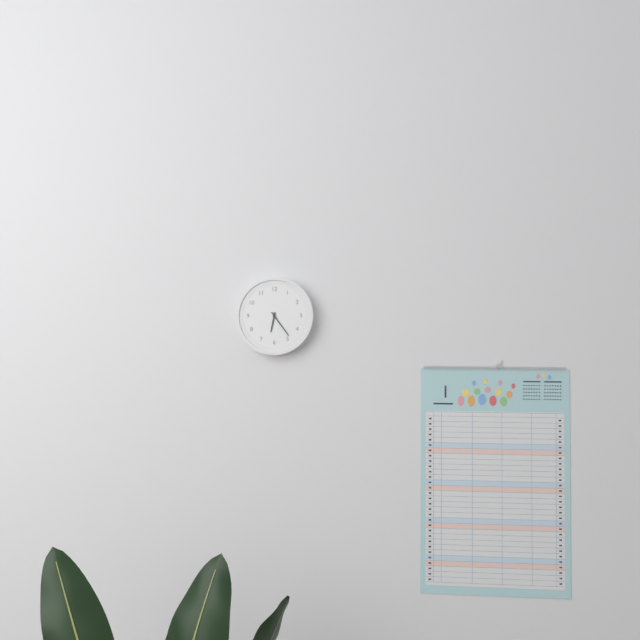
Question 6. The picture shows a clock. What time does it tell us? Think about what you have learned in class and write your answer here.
6:24
